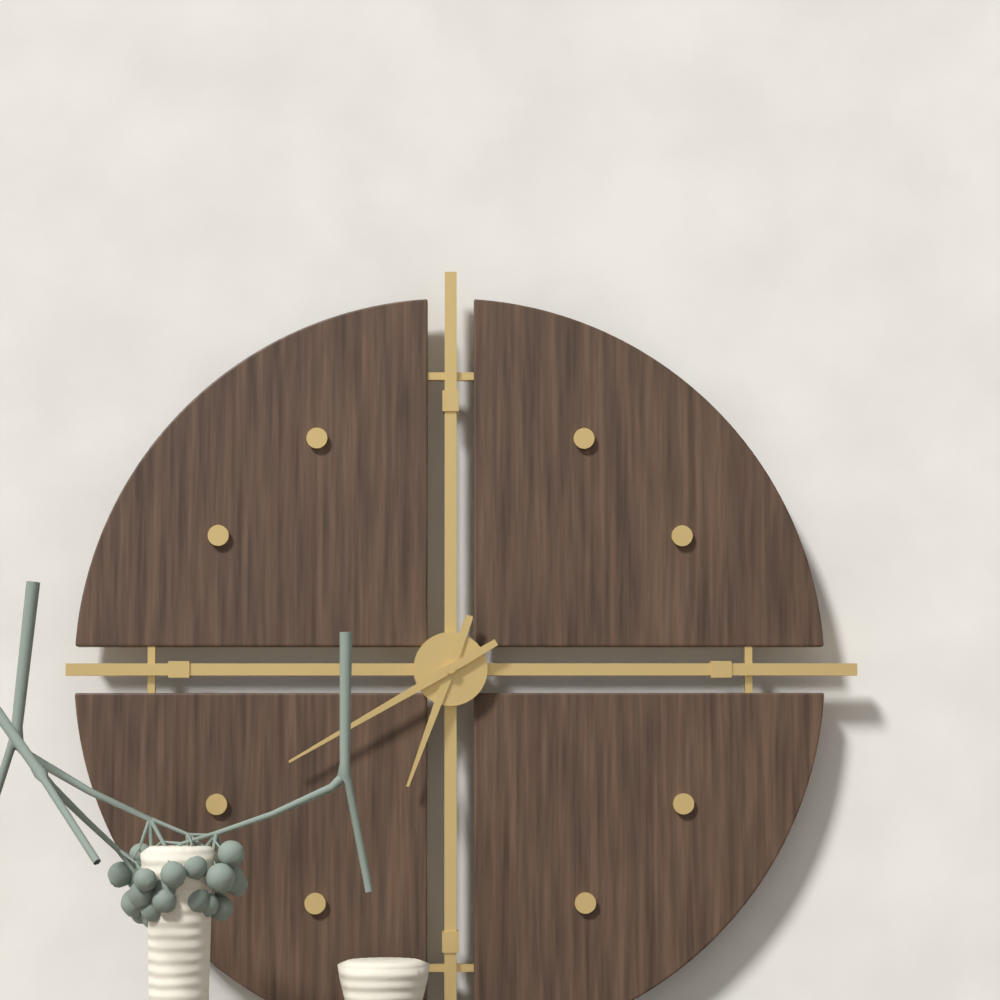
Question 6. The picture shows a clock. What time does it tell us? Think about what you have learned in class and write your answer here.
6:40
